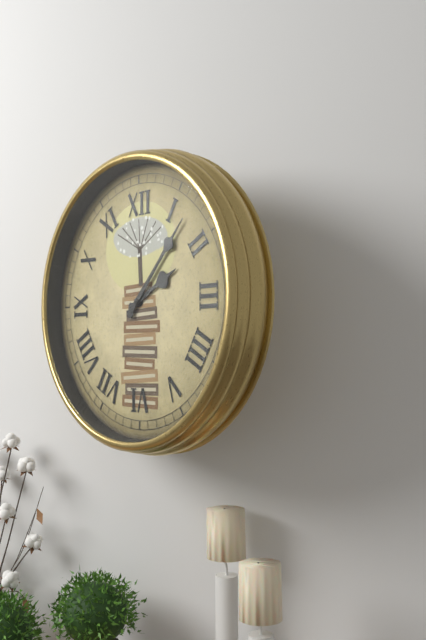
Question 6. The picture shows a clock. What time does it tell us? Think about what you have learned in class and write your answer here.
2:07
